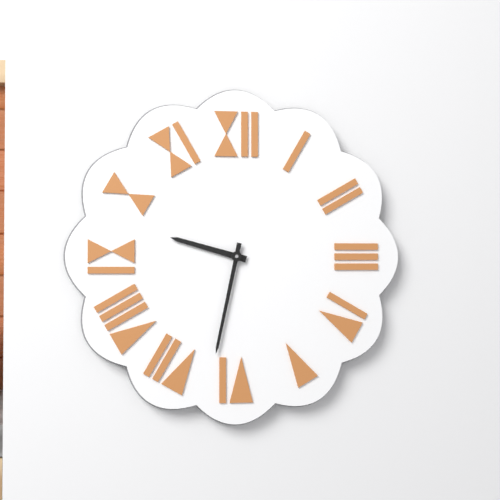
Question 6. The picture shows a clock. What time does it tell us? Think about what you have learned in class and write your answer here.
9:32
